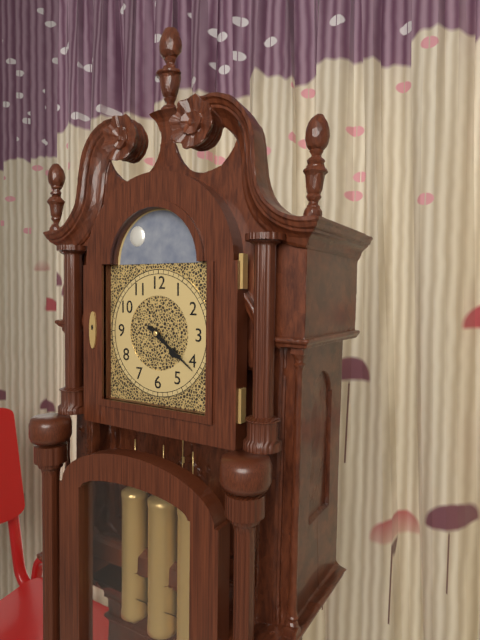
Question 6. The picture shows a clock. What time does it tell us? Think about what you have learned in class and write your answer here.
4:21
